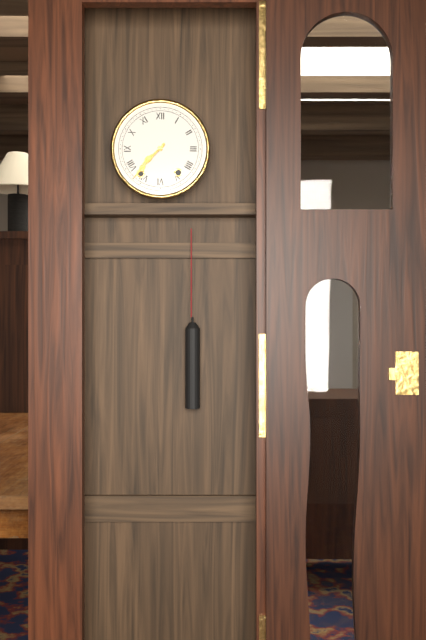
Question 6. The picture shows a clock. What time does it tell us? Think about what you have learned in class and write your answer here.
7:37
